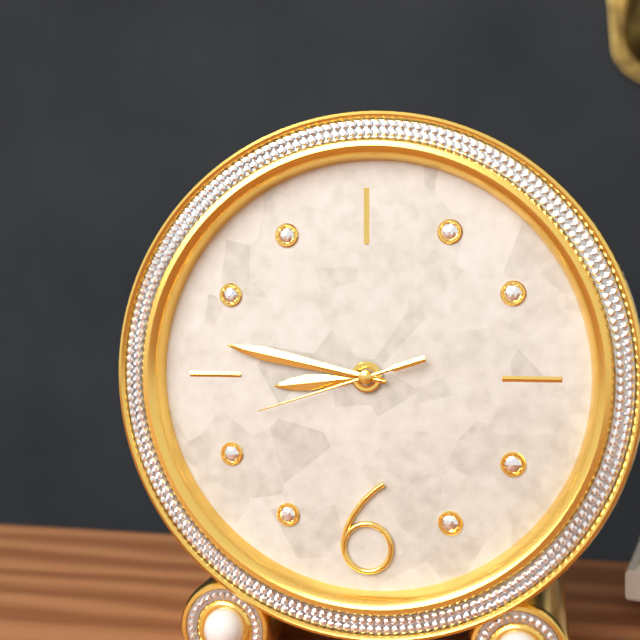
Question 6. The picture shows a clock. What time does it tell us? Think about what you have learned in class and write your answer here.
8:47:42
